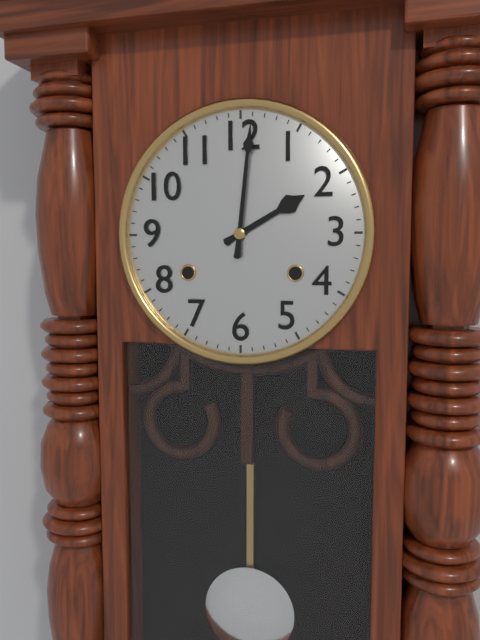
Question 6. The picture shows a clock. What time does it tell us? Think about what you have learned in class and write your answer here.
2:01
